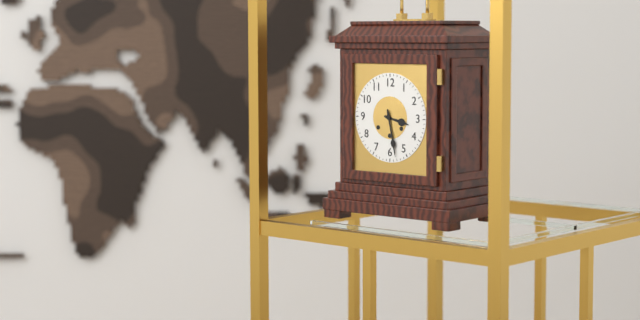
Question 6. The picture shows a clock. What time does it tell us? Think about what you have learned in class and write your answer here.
3:28
